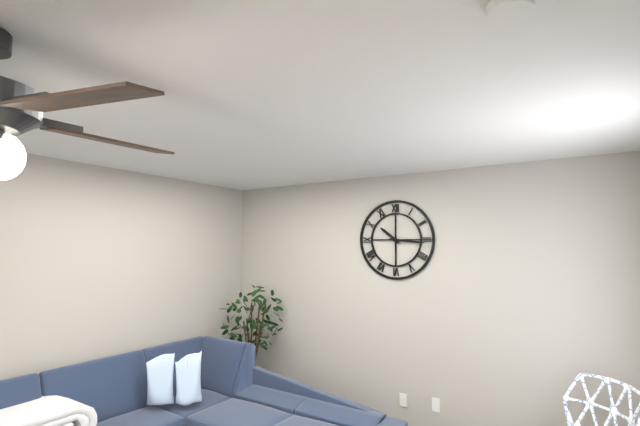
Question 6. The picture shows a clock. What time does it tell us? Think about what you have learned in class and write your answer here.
10:16
